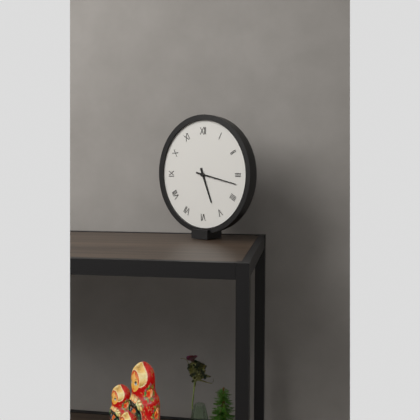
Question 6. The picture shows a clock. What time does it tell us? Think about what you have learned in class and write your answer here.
5:17
